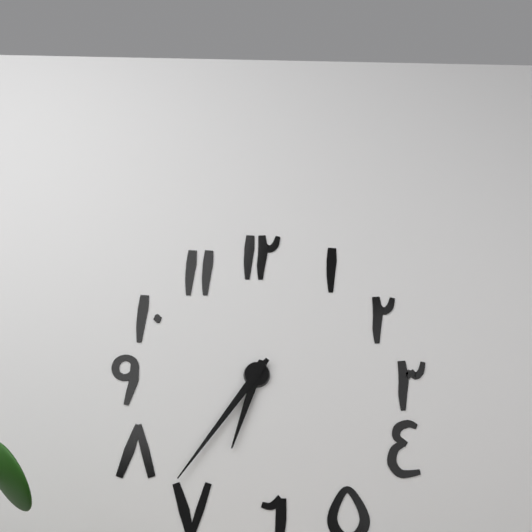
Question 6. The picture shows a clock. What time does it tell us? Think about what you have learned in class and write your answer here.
6:36
